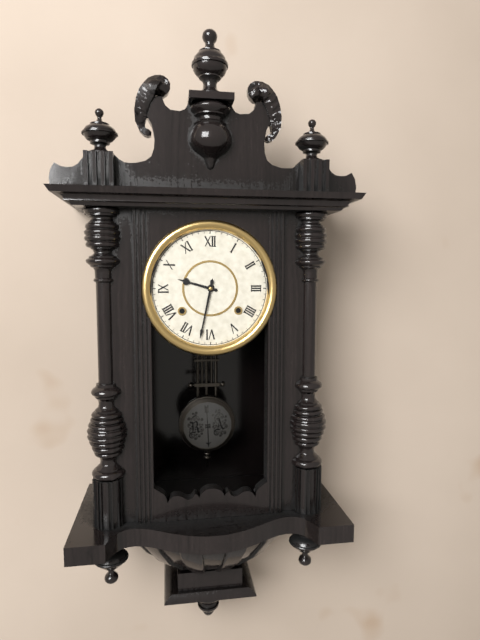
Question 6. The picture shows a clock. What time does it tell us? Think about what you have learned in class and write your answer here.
9:32
